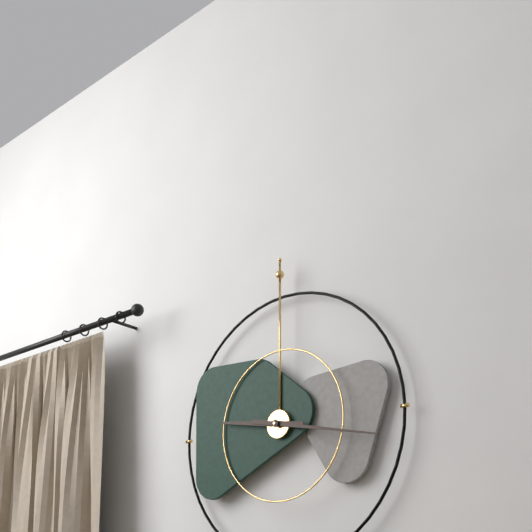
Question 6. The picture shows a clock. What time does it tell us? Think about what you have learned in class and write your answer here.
9:17
